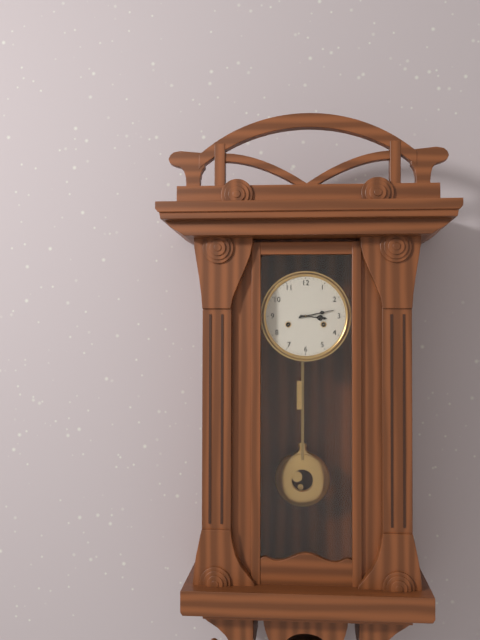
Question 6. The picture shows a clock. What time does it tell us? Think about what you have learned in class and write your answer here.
3:13
